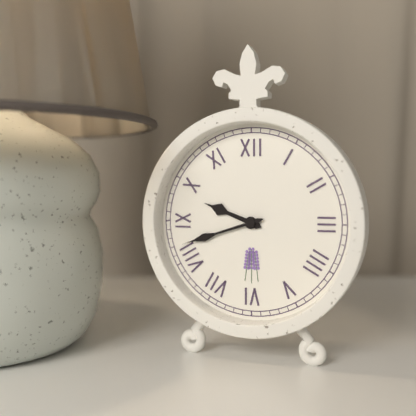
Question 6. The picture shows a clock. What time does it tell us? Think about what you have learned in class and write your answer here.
9:42
